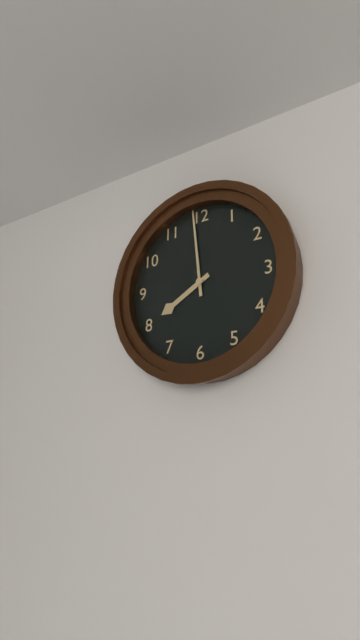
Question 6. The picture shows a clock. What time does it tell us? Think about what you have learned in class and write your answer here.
7:59
